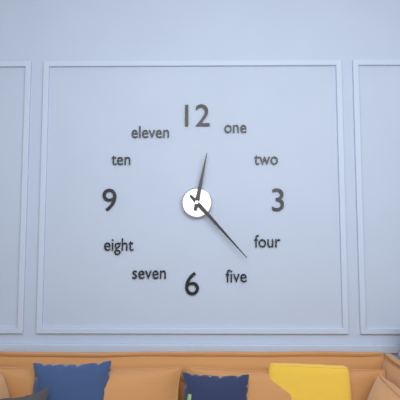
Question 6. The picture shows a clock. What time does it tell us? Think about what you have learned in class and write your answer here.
12:23
